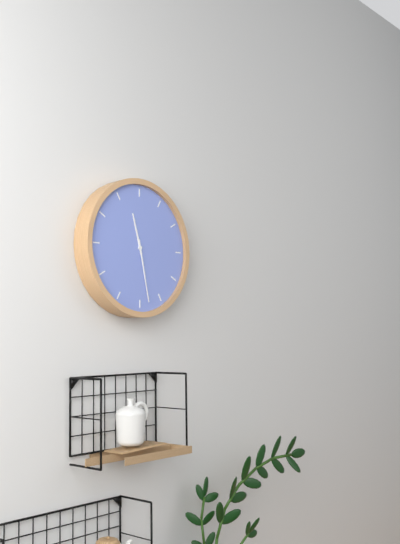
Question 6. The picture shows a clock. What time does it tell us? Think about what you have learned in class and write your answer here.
11:28
